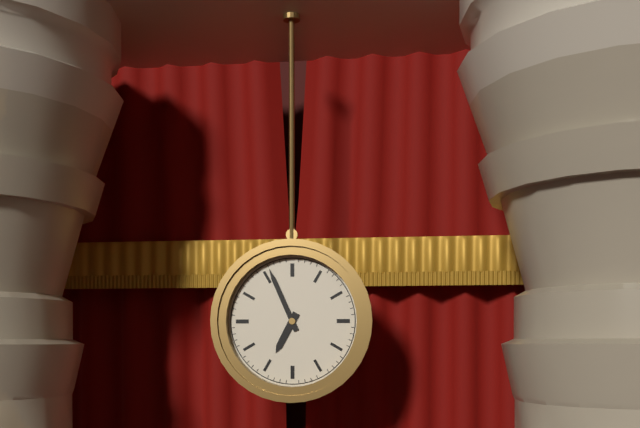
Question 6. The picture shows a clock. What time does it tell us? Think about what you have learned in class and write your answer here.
6:56
